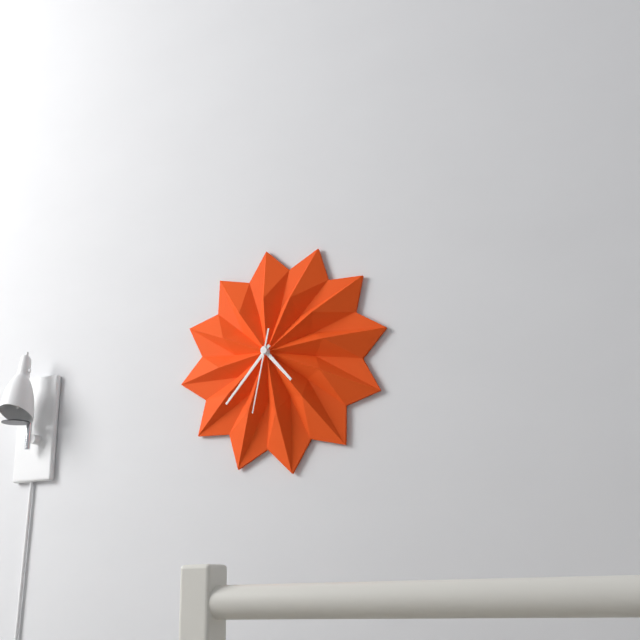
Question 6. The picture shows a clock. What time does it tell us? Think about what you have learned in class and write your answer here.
4:37:32
